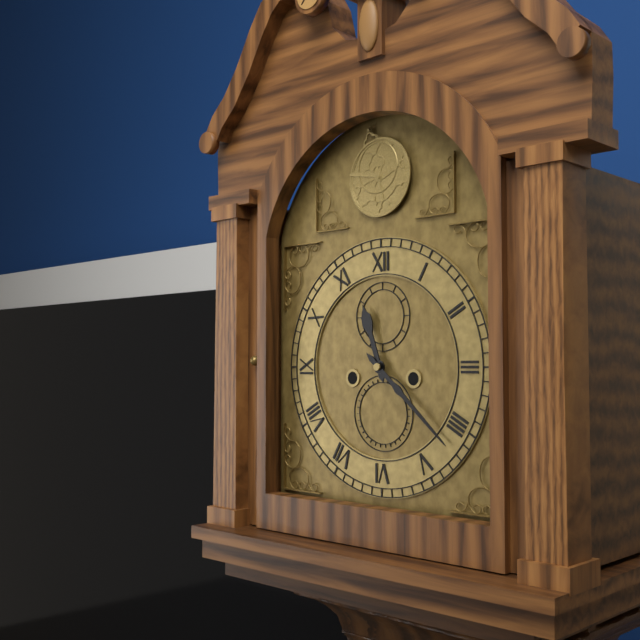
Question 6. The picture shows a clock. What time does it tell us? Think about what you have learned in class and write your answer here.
11:22
